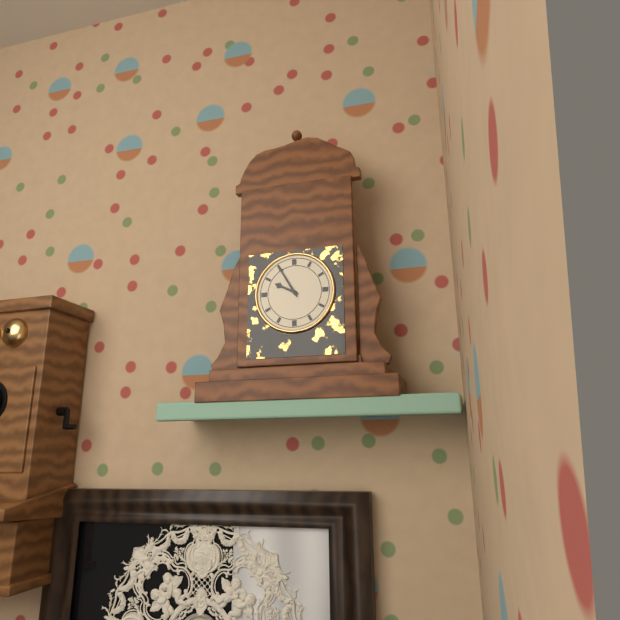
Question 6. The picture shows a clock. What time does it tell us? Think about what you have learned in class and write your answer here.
9:55
